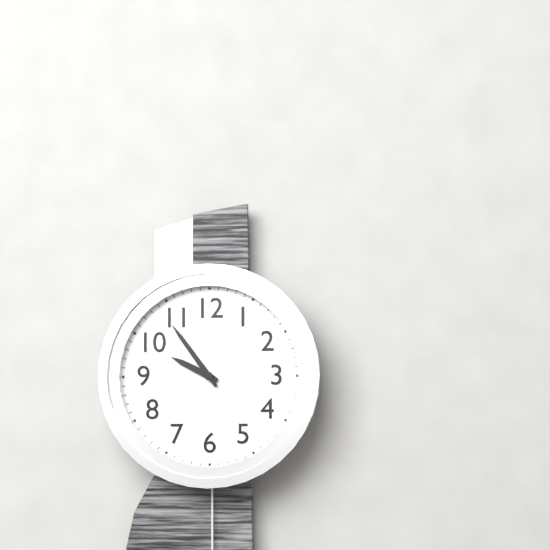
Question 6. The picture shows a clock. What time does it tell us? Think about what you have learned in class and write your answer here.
9:54
